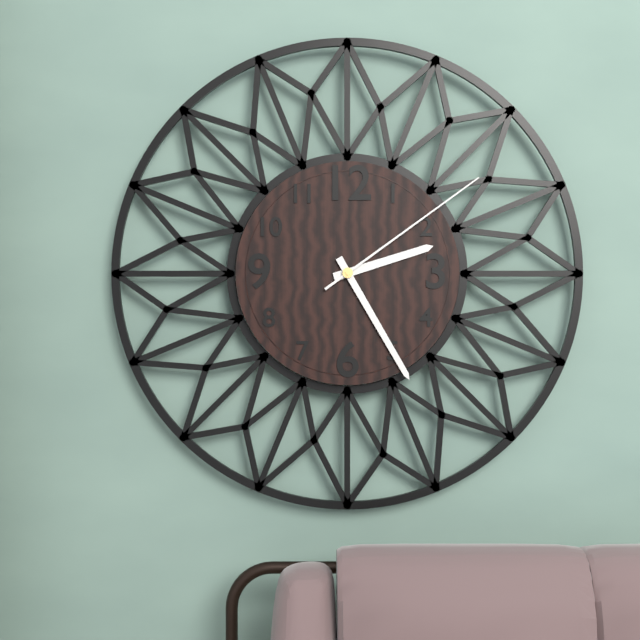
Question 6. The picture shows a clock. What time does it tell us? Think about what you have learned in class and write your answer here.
2:25:09
